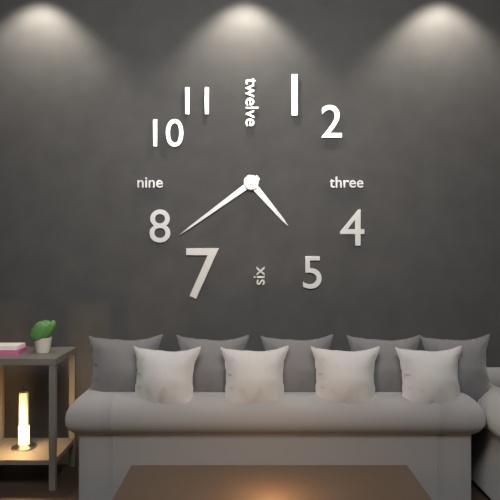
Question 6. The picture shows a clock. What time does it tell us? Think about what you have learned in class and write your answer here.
4:39
